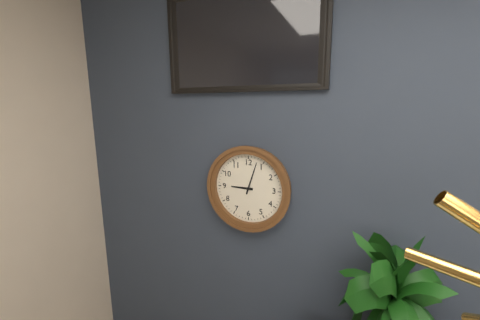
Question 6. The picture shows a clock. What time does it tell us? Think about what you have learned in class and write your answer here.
9:03
